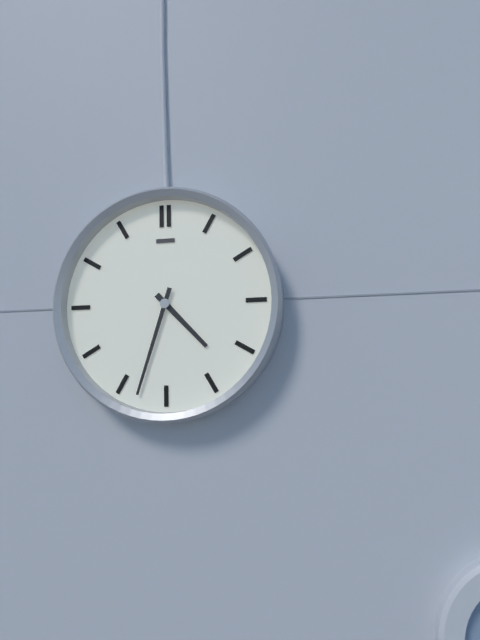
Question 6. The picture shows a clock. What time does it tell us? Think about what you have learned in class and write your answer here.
4:33
